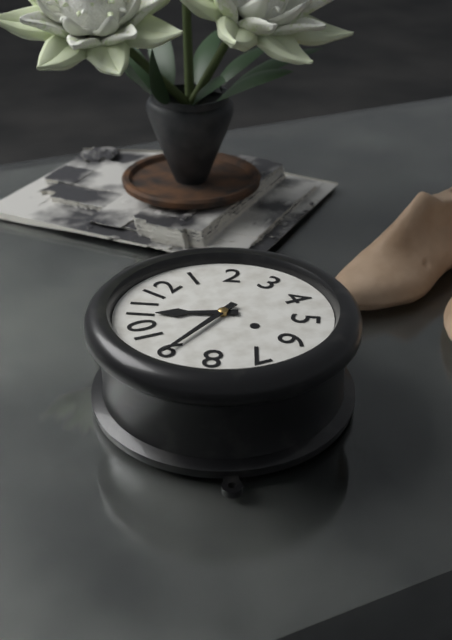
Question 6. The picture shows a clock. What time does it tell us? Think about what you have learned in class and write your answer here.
10:45
